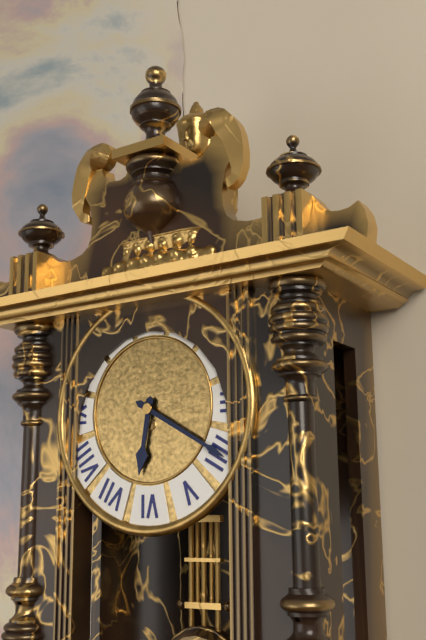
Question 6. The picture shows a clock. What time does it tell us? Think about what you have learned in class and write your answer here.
6:20
